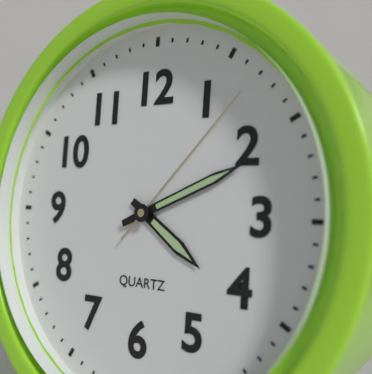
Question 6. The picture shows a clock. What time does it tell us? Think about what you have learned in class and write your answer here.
4:11:07
